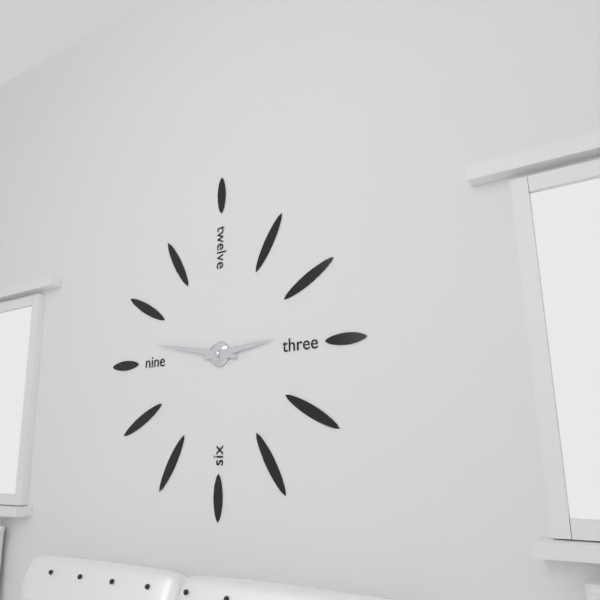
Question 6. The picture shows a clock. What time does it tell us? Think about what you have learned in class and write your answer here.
2:47
